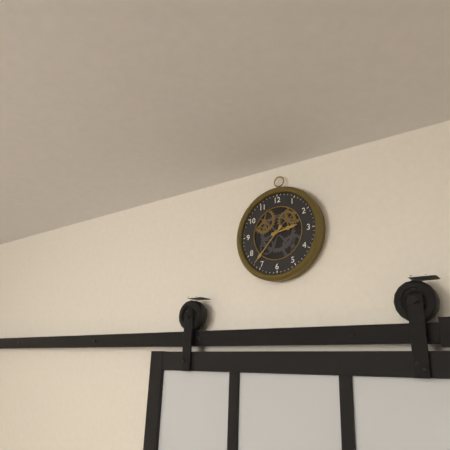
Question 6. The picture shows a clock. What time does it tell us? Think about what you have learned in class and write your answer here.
2:37
